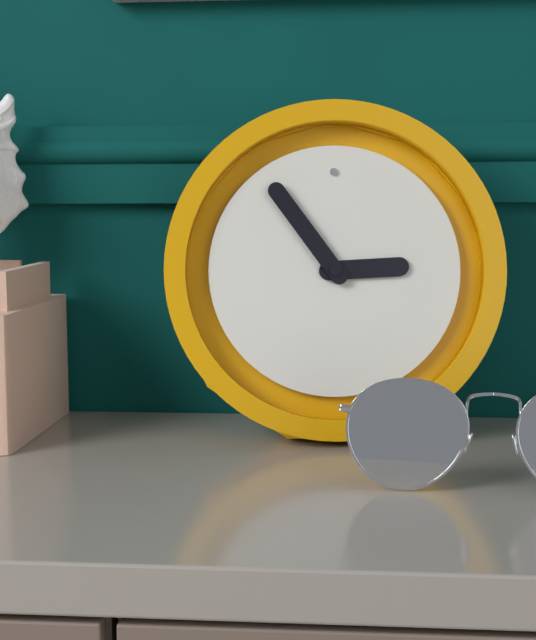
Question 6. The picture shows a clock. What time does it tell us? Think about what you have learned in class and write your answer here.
2:54
